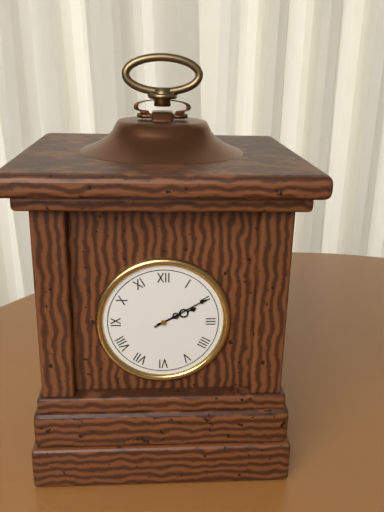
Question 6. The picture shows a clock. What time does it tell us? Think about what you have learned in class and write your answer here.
2:10
